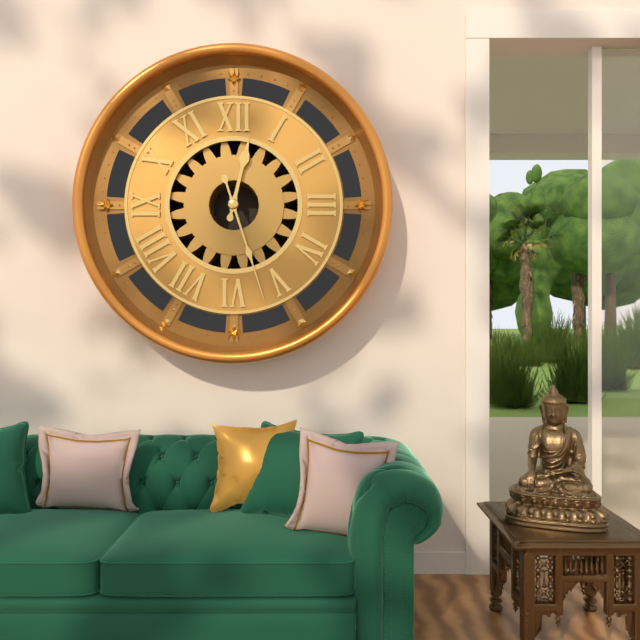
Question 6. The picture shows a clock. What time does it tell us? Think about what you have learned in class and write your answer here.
12:27
